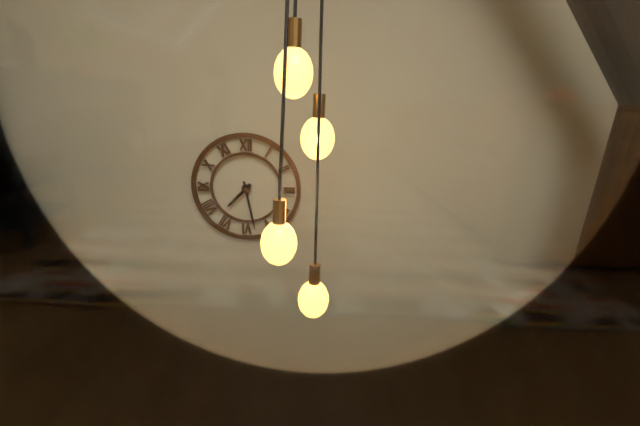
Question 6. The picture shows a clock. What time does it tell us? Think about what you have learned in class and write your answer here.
7:28
